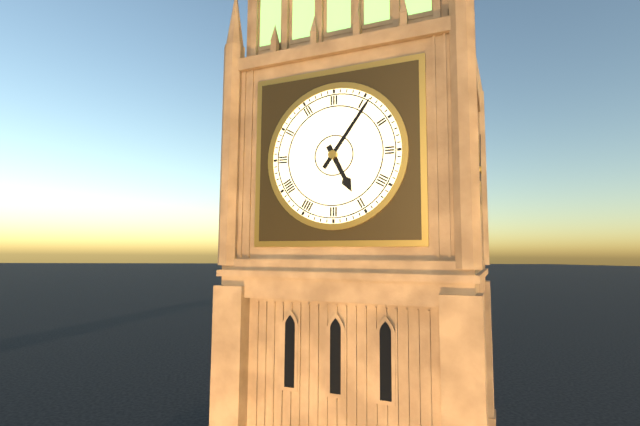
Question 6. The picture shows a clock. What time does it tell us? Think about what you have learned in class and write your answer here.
5:06
